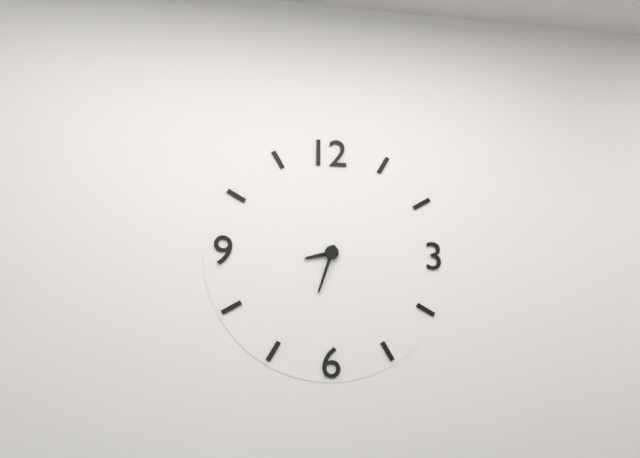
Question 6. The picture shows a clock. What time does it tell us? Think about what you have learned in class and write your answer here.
8:33
